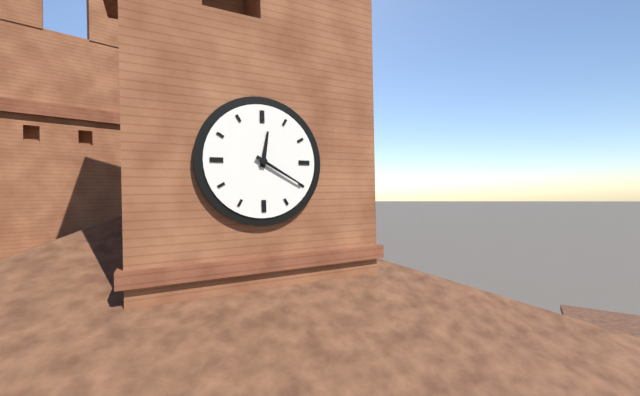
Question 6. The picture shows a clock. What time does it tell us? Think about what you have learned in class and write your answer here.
12:20
